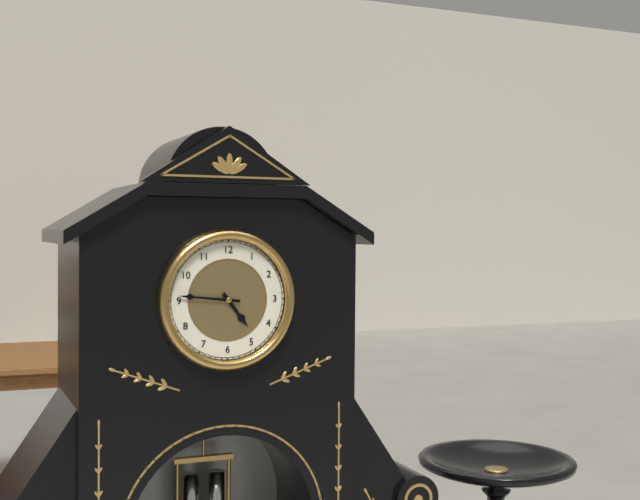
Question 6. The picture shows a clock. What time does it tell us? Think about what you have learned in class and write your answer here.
4:46
